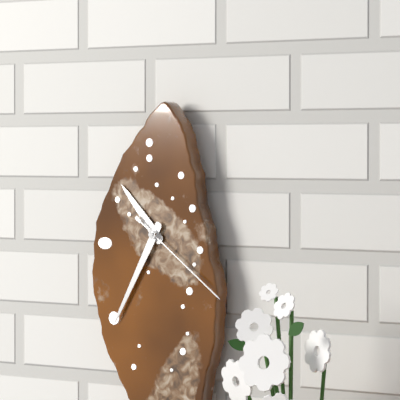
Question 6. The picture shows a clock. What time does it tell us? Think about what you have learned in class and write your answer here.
10:35:21
